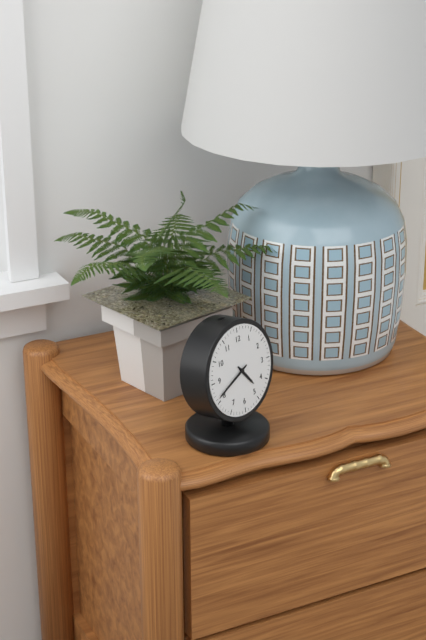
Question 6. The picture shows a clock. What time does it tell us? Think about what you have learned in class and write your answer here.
4:41
